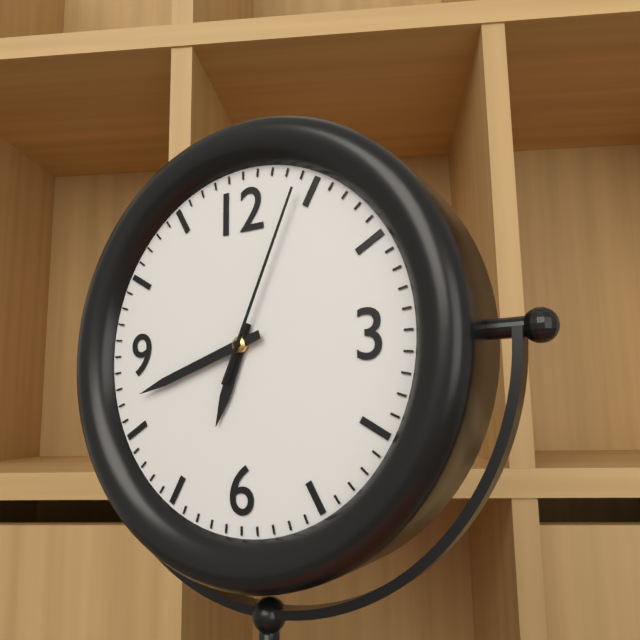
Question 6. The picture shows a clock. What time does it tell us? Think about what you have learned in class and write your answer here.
6:42:04
